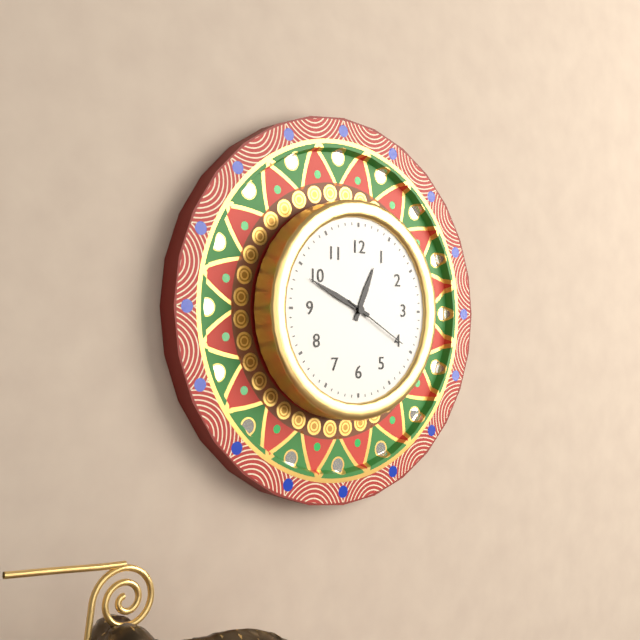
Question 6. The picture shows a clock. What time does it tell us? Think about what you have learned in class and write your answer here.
12:49:20
